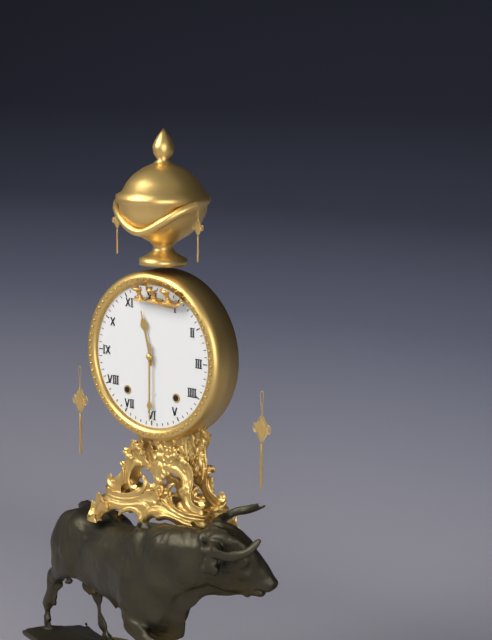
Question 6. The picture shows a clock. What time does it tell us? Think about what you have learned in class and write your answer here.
11:30
